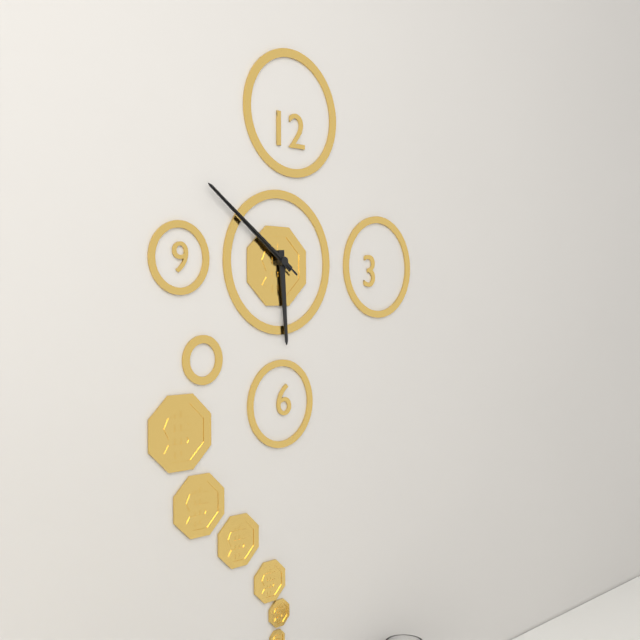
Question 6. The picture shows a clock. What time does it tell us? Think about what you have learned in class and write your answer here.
5:51:51
